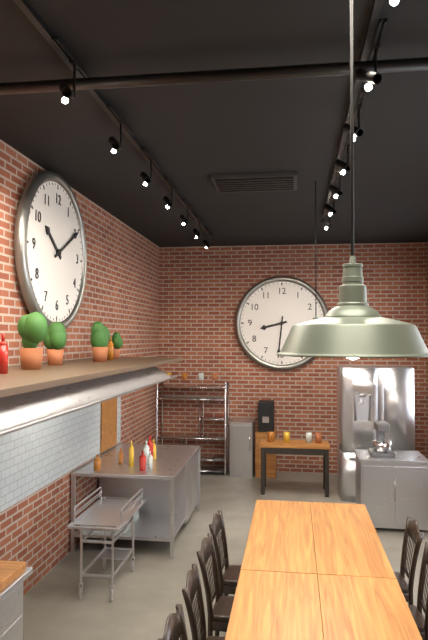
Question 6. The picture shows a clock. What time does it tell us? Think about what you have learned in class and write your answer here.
8:31
